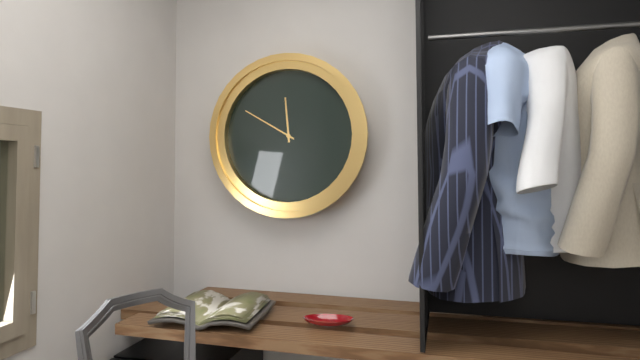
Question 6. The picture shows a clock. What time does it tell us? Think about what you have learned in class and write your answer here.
11:50
